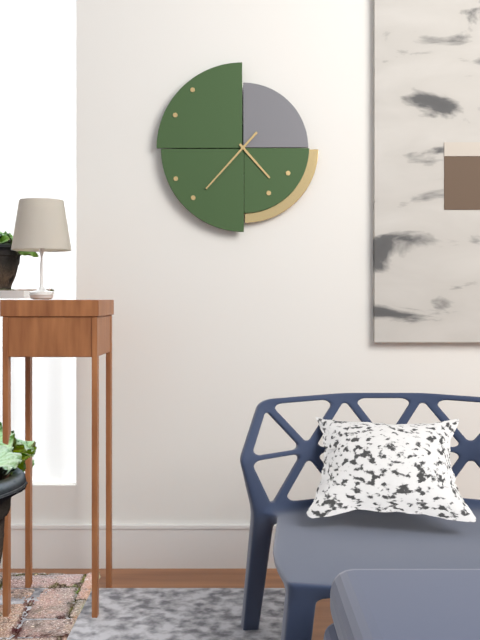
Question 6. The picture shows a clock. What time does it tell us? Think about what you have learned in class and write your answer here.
4:37
